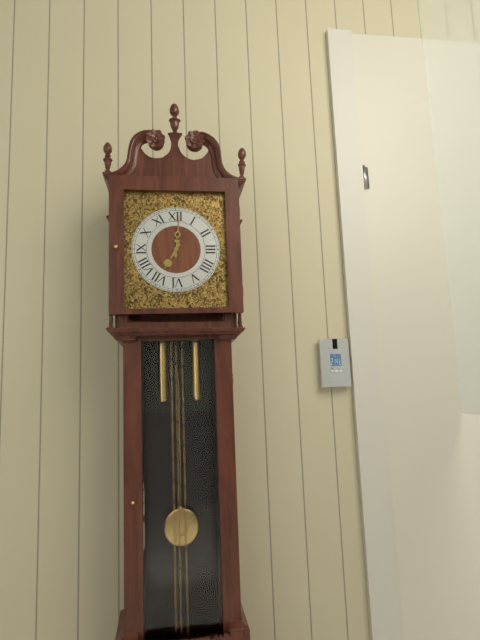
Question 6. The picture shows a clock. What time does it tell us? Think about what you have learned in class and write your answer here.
7:01
